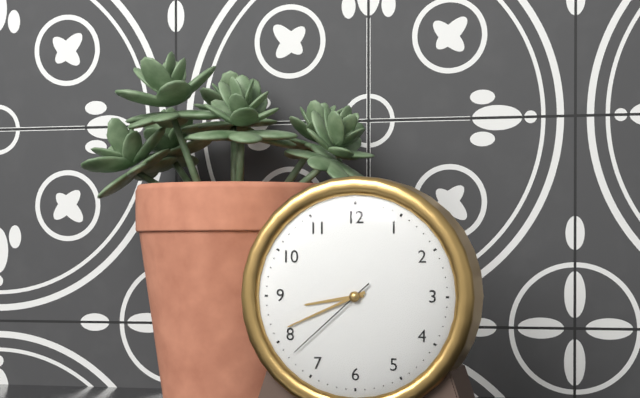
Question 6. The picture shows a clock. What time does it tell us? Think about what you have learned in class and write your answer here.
8:41:38
